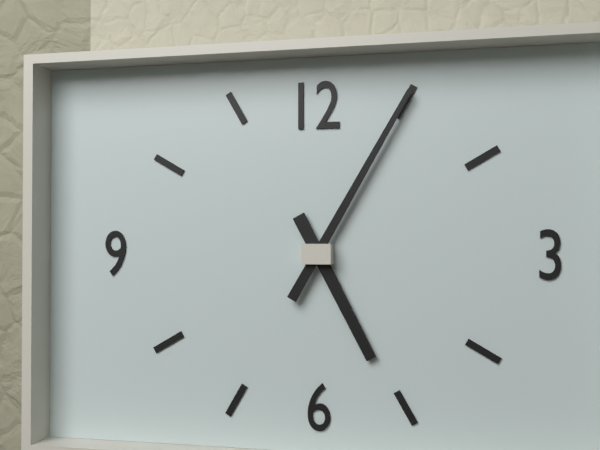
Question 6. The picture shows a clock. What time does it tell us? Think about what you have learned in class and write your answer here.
5:05
